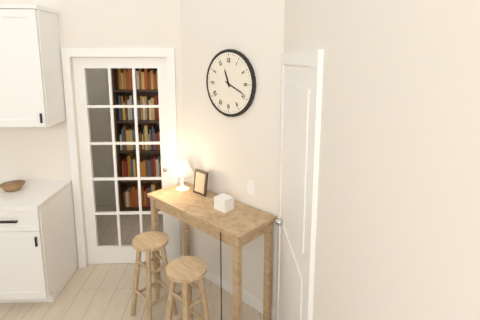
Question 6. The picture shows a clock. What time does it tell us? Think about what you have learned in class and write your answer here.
11:19
